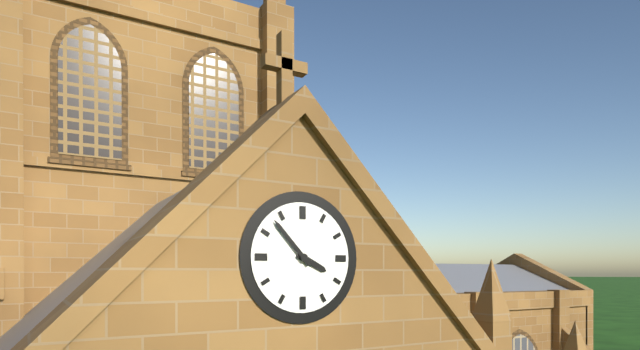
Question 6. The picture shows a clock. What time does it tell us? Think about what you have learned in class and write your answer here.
3:53
